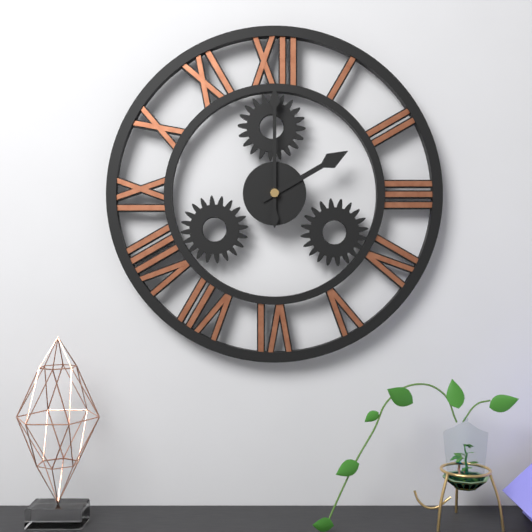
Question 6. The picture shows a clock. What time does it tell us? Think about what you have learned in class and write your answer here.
2:00
